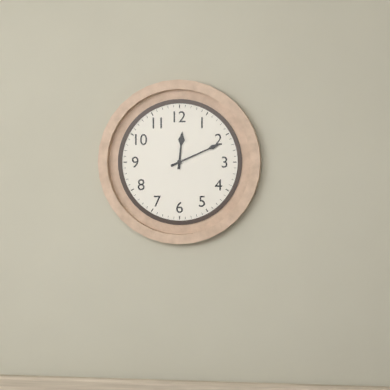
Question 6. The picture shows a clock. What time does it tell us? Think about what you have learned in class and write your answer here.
12:11
